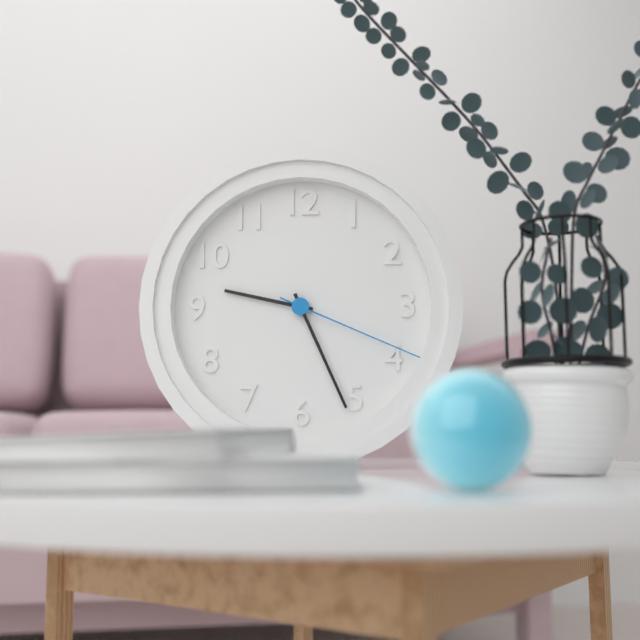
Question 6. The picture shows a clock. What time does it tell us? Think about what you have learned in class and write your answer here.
9:26:19
